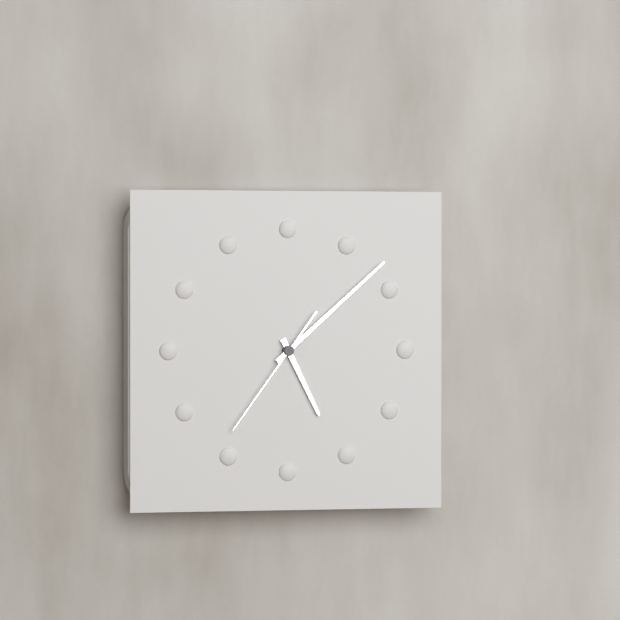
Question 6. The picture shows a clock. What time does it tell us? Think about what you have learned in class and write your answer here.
5:08:36
